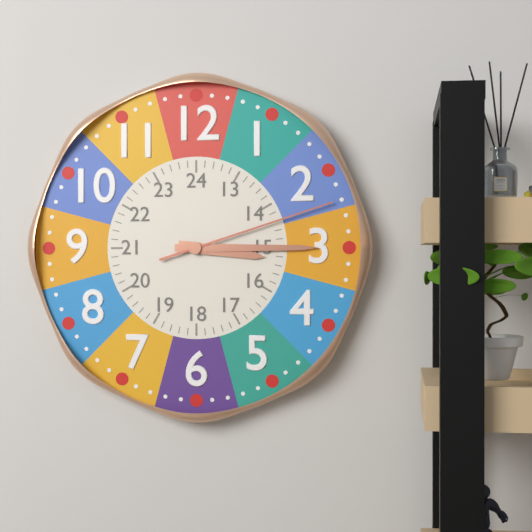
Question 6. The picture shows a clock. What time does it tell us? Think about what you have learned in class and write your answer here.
3:15:12
